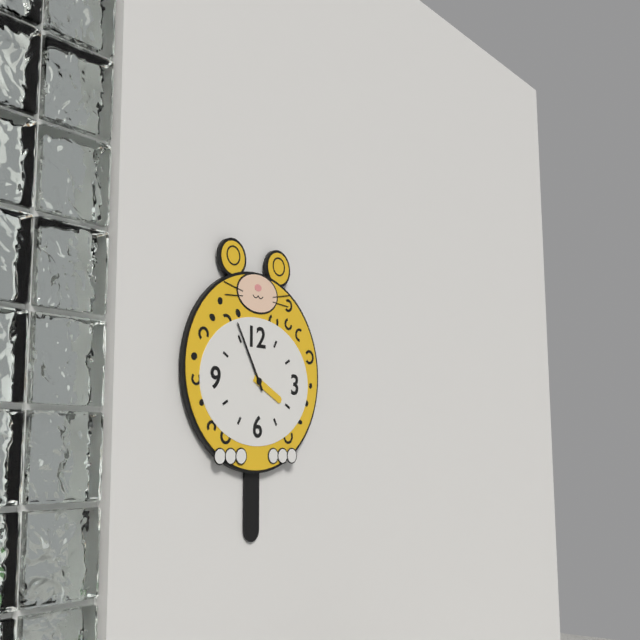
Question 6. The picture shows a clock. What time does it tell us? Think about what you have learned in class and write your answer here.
3:55
